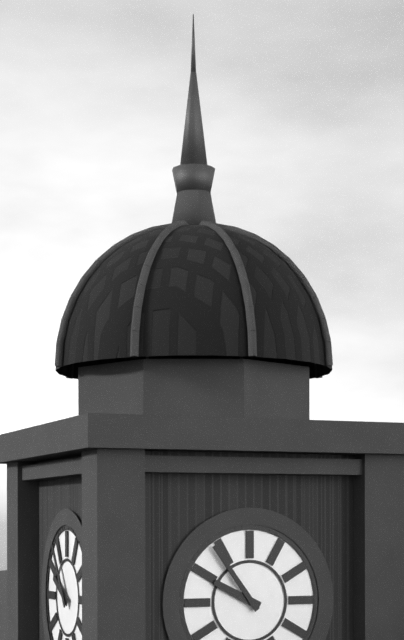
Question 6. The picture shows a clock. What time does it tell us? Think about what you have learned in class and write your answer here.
9:54
